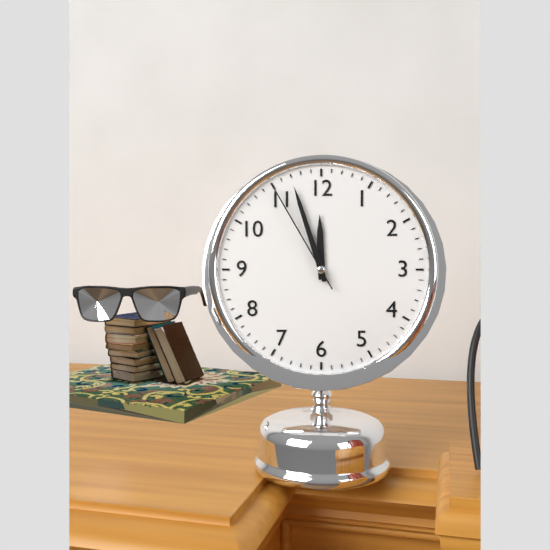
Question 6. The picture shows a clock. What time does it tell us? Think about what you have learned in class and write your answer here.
11:57:55
